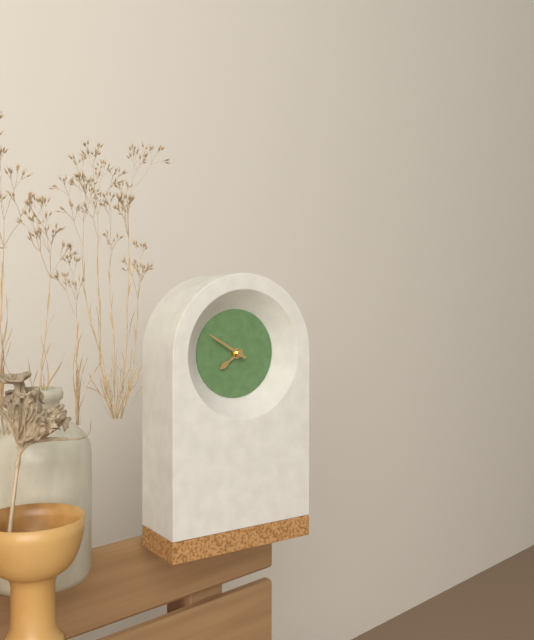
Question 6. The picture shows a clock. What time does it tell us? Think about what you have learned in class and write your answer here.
7:50
